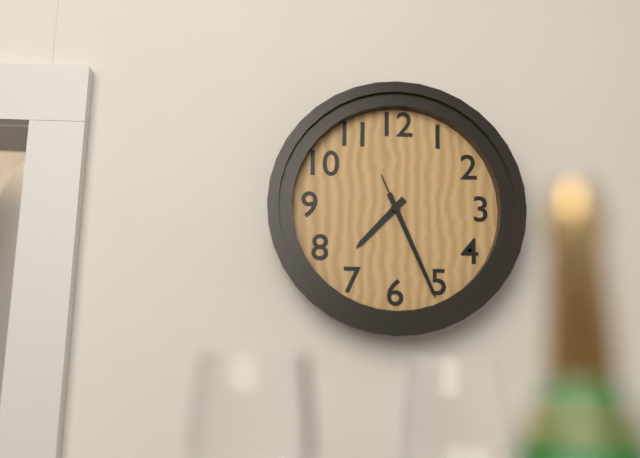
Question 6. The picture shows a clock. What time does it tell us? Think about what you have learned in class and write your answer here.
7:26:26
